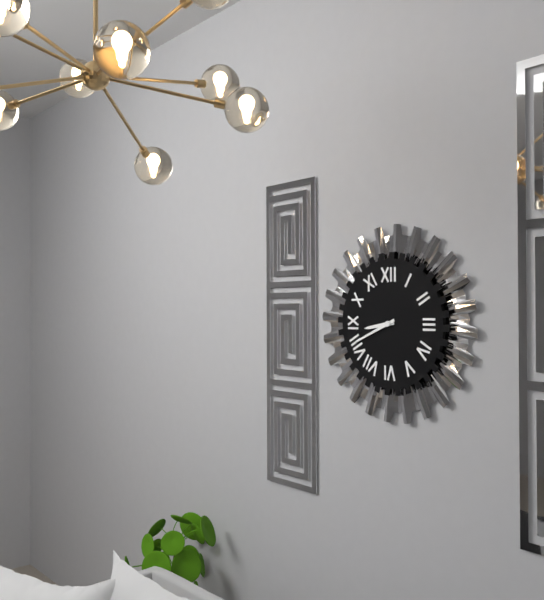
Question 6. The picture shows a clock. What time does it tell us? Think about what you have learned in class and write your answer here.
8:41
